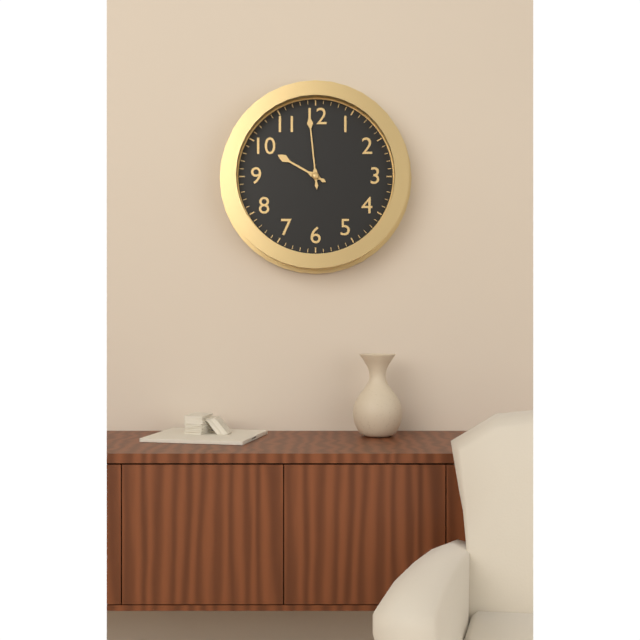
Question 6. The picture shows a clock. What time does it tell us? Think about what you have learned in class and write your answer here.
9:59
